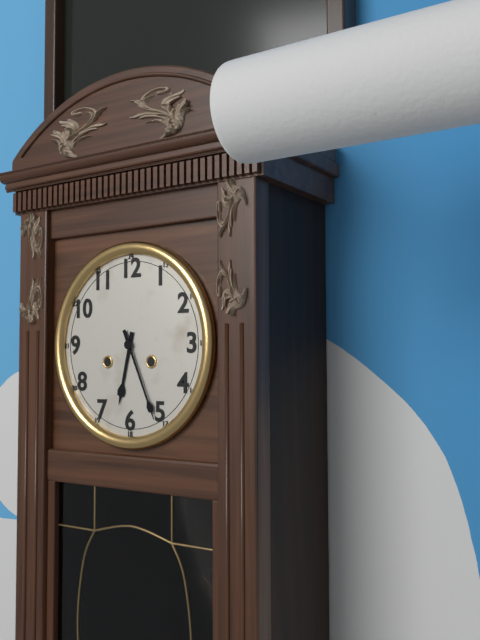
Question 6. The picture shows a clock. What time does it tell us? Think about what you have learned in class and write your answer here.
6:26
